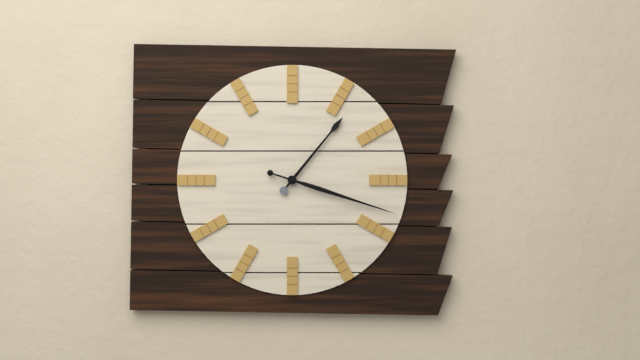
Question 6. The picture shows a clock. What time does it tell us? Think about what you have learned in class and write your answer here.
1:18
